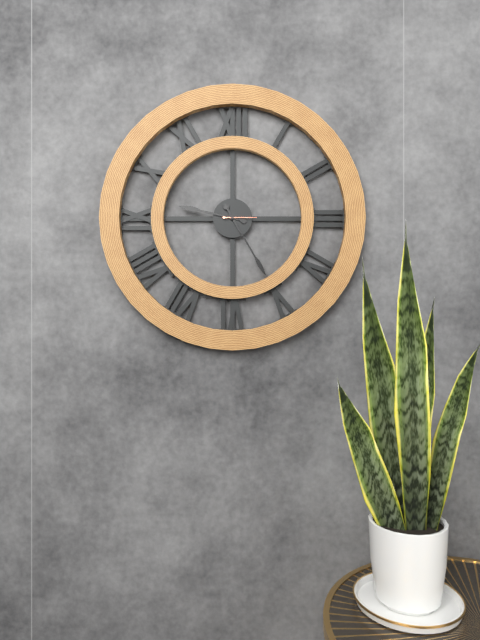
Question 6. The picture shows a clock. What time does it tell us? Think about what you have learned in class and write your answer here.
9:25
